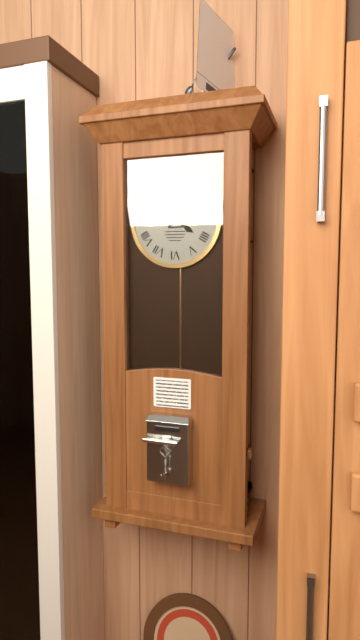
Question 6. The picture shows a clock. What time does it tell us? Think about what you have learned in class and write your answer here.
4:08
